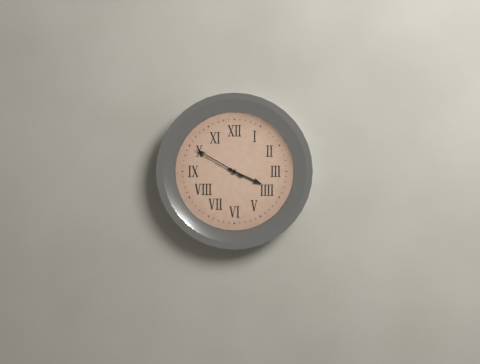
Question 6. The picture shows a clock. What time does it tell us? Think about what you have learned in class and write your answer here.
3:50
